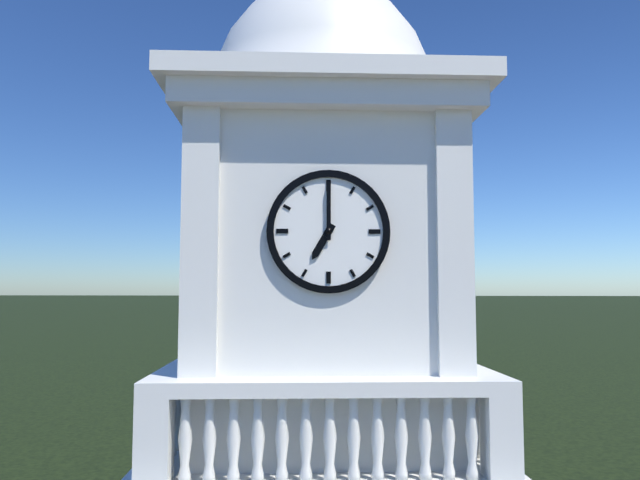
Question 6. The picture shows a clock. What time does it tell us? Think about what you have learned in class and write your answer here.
7:00
